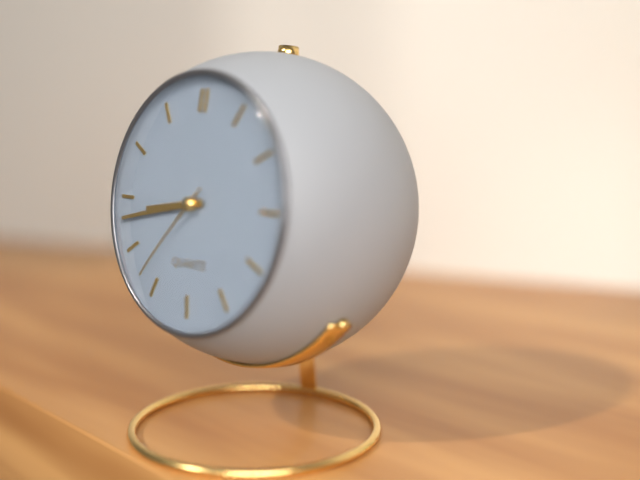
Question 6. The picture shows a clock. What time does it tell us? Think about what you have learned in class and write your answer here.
8:43:37
